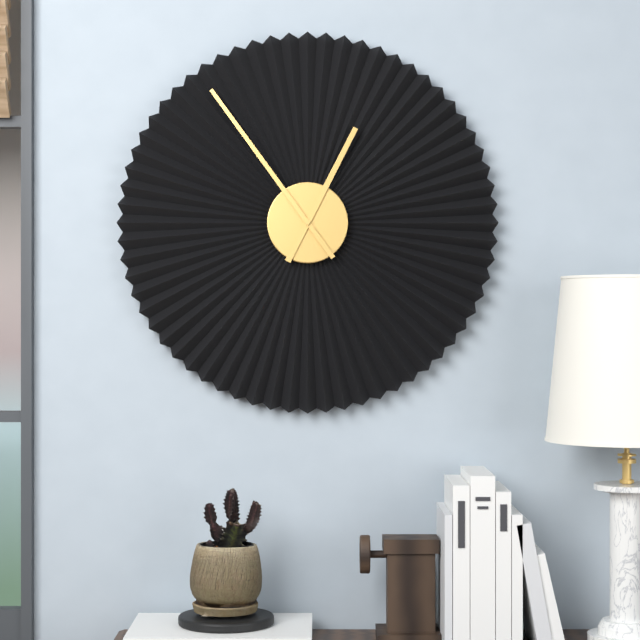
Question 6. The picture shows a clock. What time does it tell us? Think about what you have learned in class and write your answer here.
12:54
